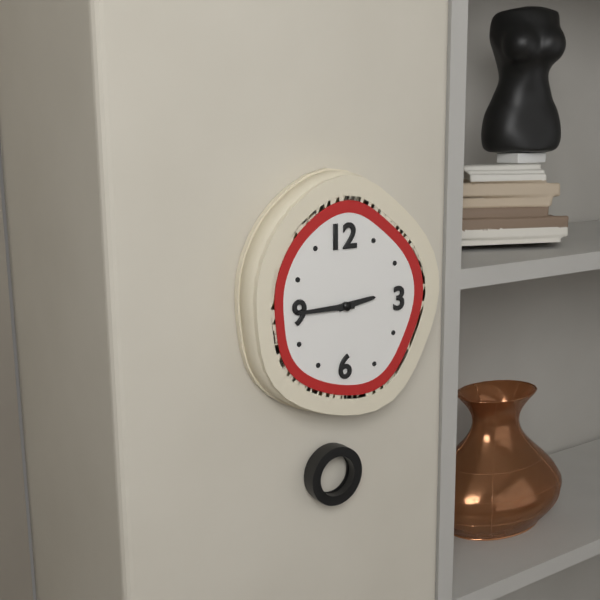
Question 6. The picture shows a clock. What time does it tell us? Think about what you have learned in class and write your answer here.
2:45
